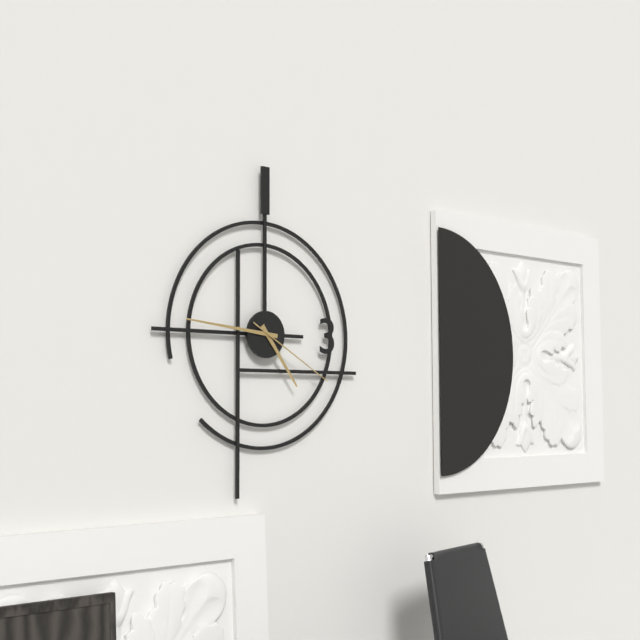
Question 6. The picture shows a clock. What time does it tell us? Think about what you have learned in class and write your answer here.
4:46:20
